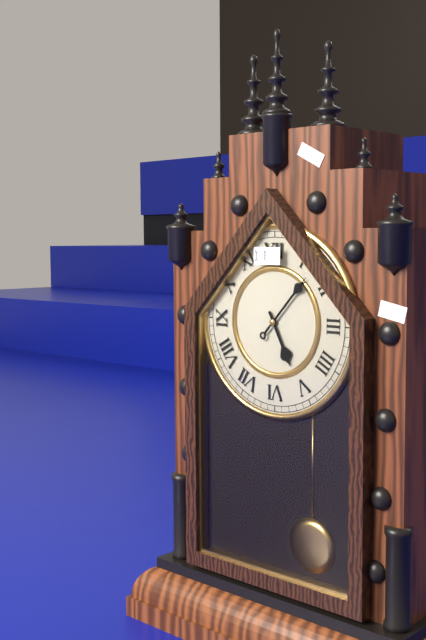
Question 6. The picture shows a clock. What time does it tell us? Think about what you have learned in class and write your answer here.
5:07
